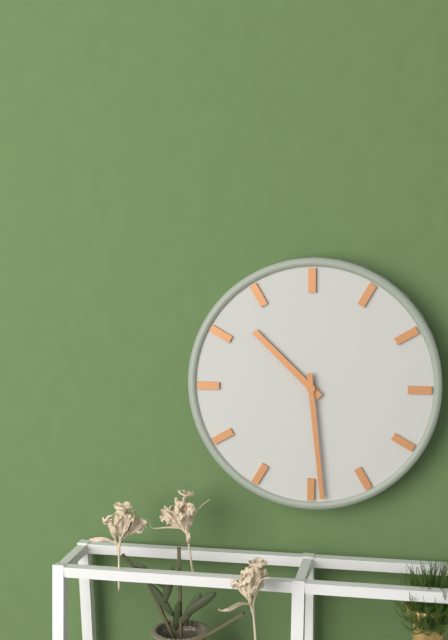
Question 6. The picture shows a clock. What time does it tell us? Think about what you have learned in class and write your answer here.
10:29
